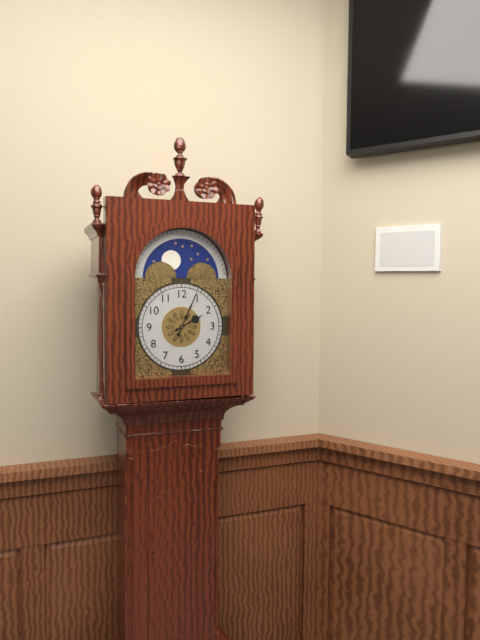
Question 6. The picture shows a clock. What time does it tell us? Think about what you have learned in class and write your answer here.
2:04
